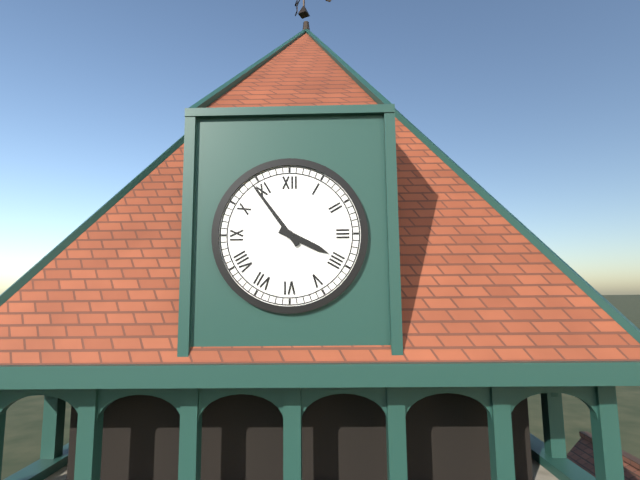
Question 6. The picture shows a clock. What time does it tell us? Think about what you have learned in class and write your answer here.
3:54
